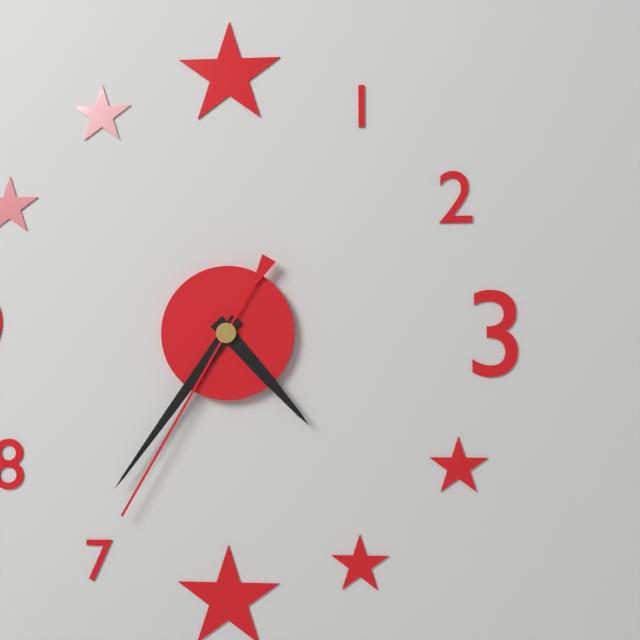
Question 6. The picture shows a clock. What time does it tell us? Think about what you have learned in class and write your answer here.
4:36:35
